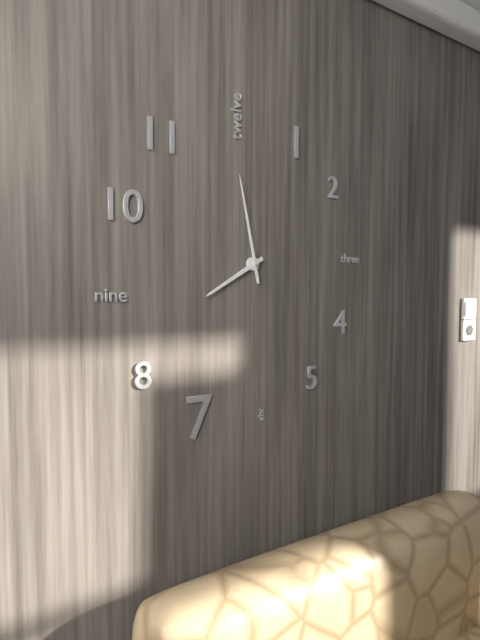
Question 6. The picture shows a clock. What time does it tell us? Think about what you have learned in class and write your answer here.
7:58
